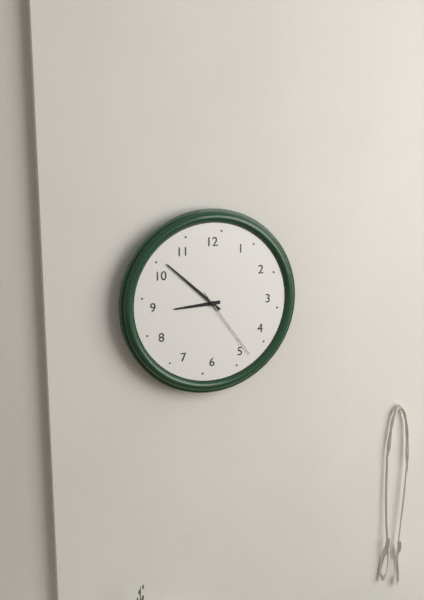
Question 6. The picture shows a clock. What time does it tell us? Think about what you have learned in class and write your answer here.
8:52:24
